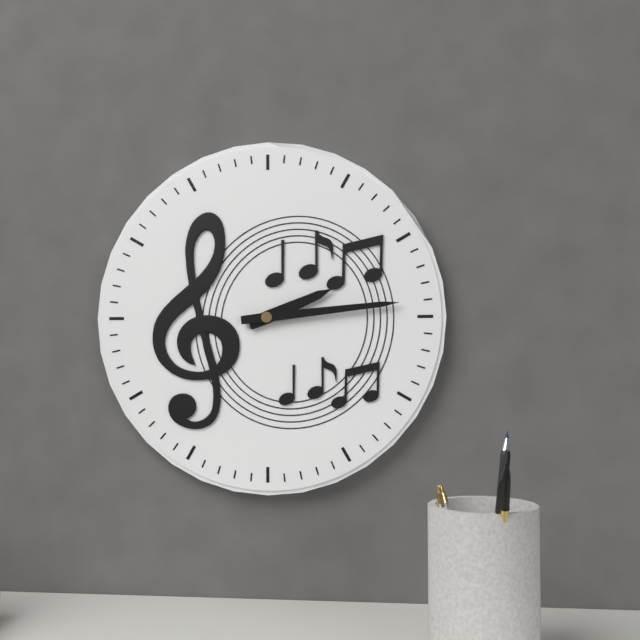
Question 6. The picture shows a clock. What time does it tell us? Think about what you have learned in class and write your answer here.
2:14
